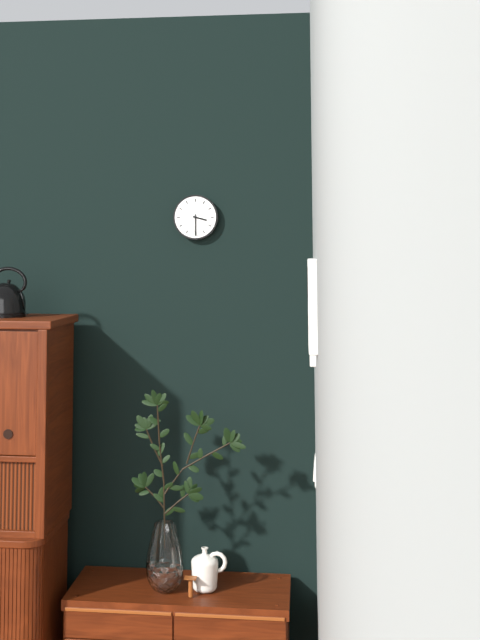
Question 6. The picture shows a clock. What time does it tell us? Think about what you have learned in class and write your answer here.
3:30
